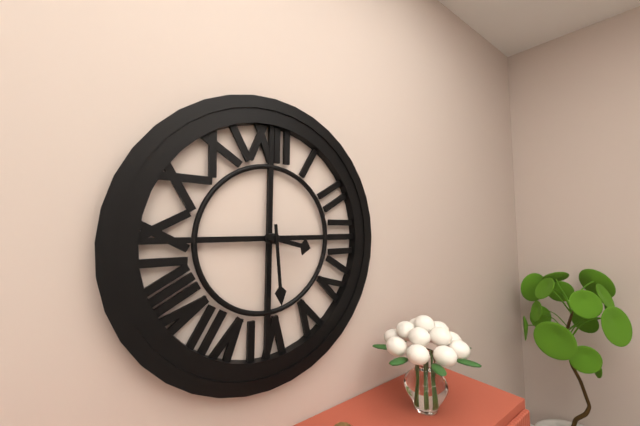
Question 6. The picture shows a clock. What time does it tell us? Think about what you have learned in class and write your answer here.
3:29
